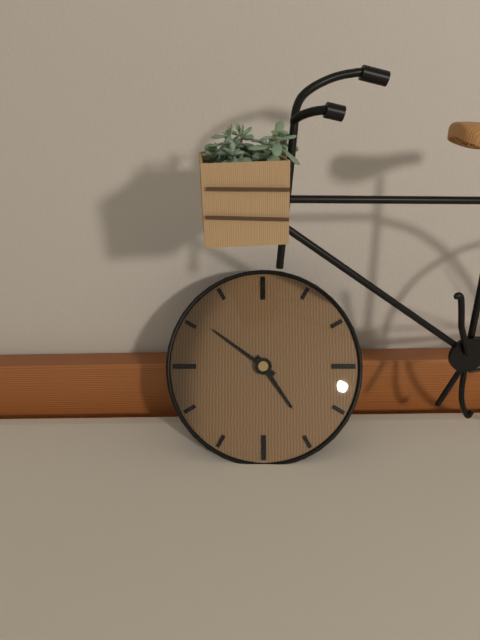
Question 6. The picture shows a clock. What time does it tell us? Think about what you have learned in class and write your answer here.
4:51
